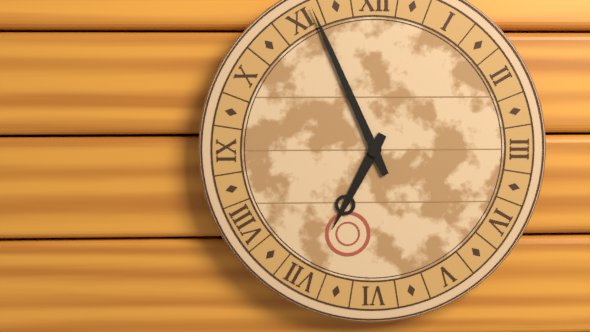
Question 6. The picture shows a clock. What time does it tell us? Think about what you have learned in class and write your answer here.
6:56
